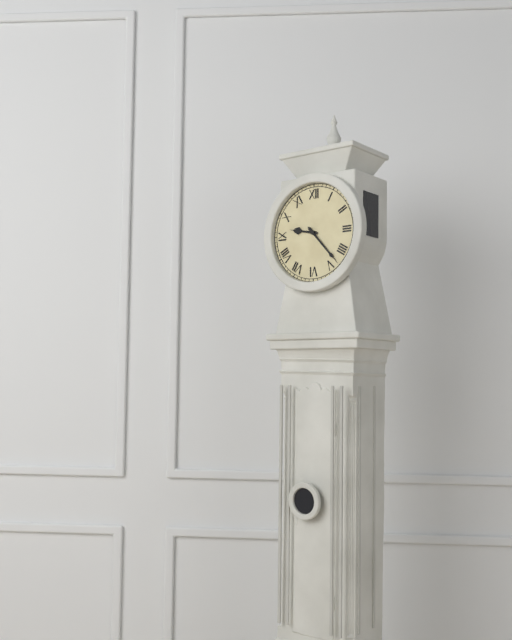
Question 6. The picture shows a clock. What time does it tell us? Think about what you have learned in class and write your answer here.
9:23
